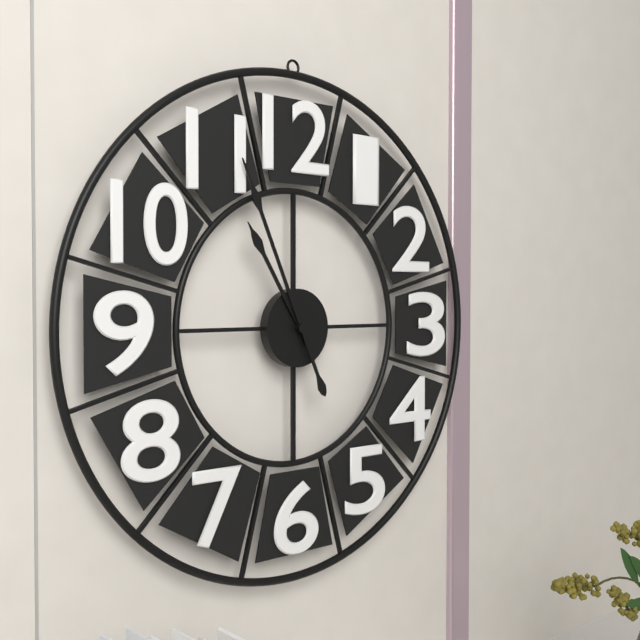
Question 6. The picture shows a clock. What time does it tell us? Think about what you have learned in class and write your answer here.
10:56
